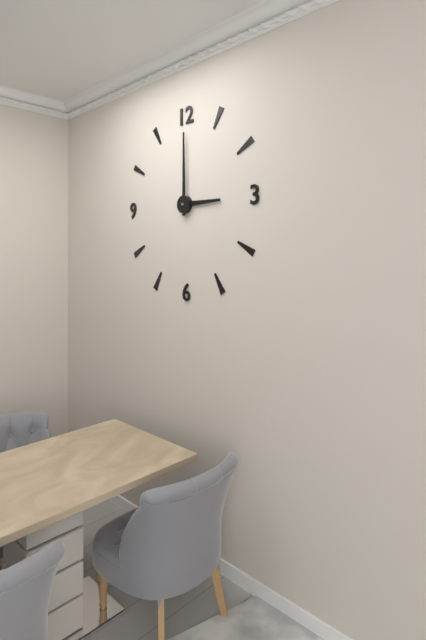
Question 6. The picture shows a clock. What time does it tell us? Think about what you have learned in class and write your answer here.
3:00
